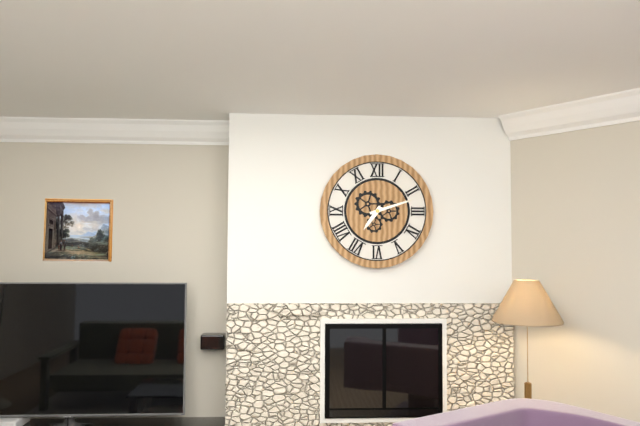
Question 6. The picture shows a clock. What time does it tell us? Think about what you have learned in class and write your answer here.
7:12
